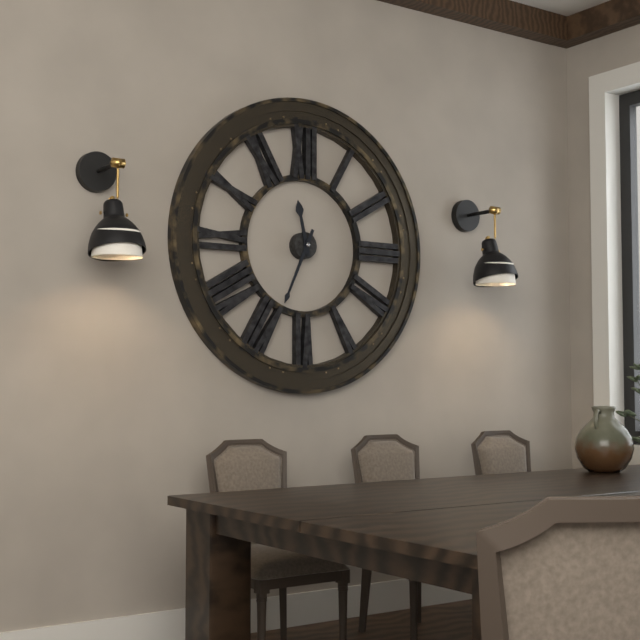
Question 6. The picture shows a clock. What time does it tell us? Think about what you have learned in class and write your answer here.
11:34
